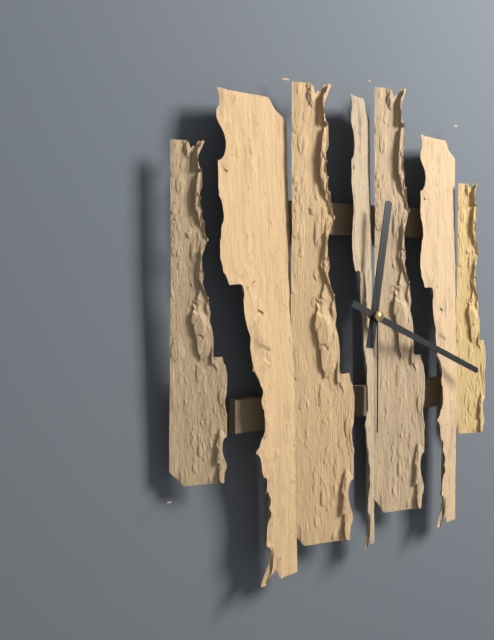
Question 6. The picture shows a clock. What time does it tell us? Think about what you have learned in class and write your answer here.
12:19:30
